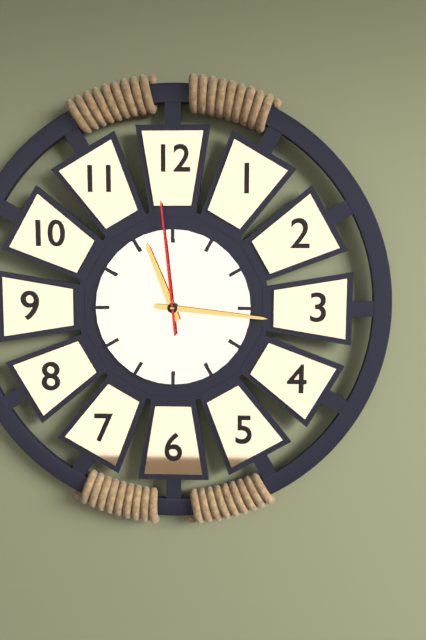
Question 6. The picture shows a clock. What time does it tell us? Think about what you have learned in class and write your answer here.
11:16:59
